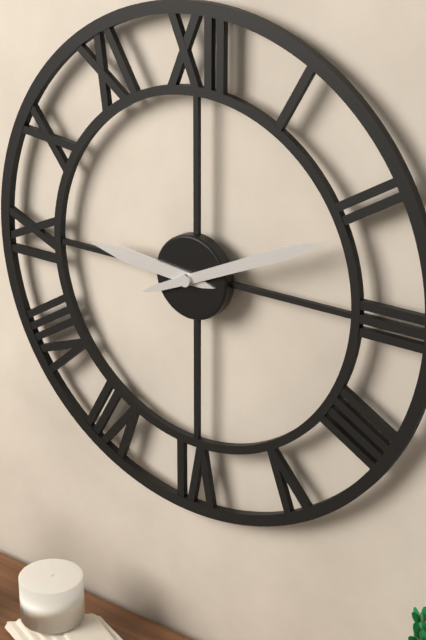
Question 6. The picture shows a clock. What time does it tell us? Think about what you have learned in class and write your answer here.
9:11
